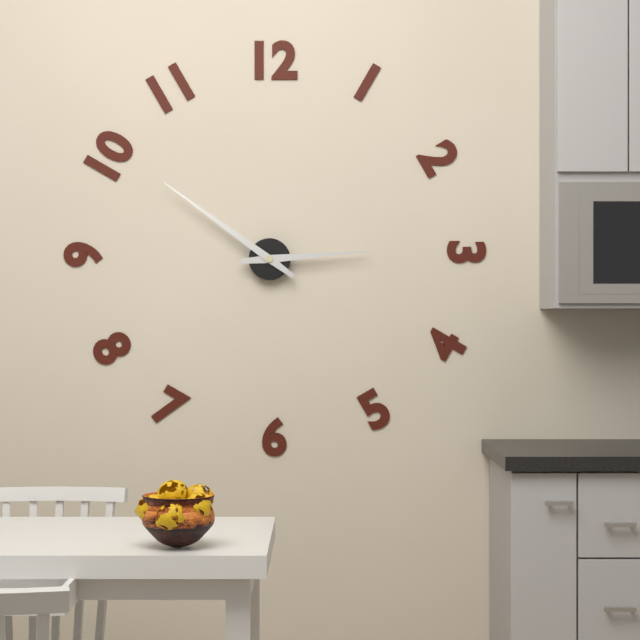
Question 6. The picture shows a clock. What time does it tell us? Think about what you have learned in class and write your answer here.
2:51
